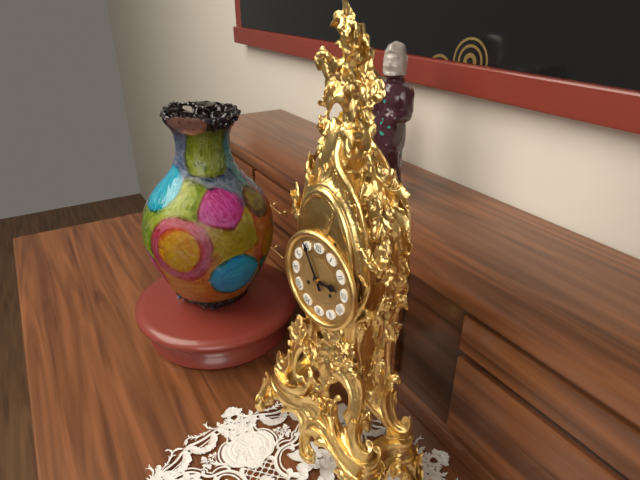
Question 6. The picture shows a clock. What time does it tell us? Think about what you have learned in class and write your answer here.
2:55
